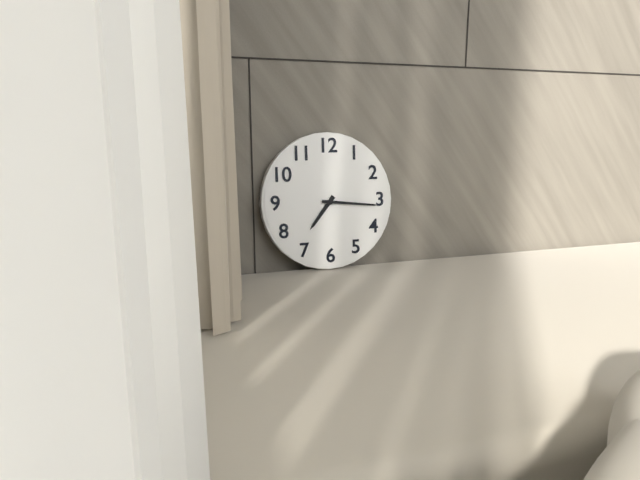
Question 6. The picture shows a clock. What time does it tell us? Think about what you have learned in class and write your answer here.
7:16
